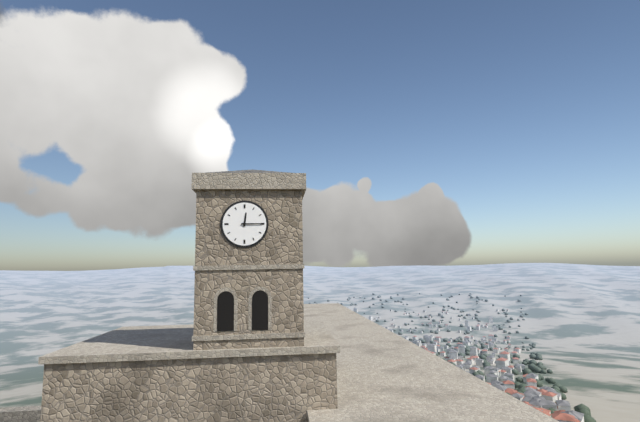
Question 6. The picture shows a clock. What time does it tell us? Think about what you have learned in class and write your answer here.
12:15
